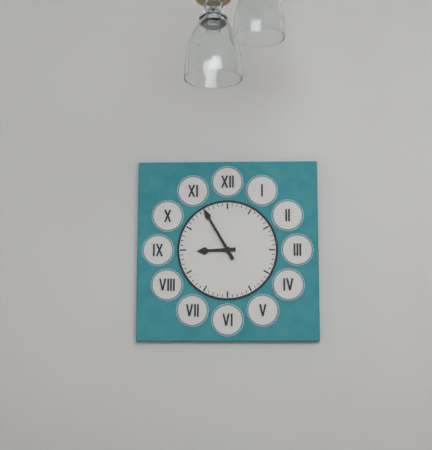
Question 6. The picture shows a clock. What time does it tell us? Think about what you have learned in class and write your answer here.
8:55
